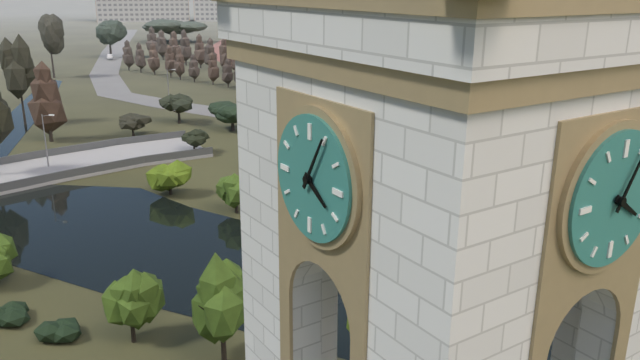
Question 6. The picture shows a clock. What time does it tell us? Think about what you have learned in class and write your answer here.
4:05
